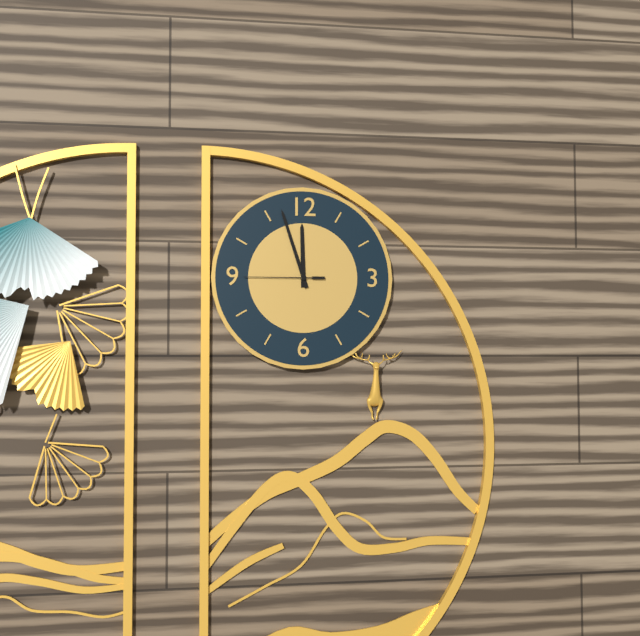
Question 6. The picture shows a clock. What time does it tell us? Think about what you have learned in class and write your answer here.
11:57:45
